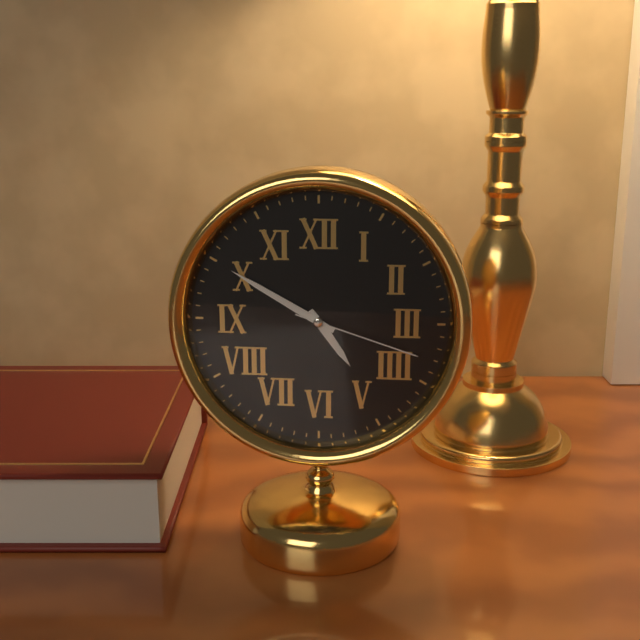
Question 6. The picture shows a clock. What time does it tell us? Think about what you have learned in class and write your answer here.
4:50:18
